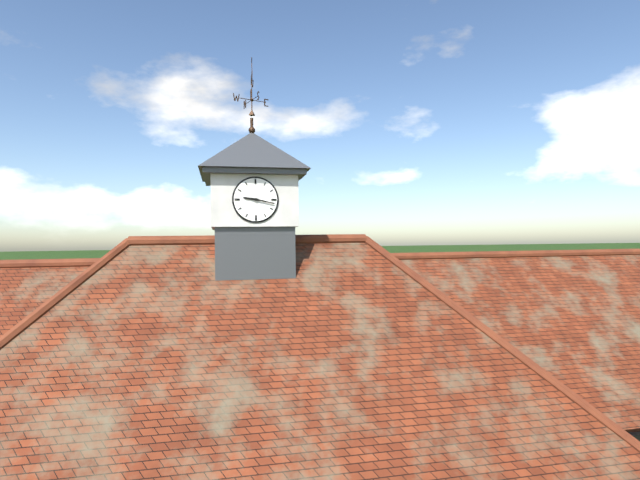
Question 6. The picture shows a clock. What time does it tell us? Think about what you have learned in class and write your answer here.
9:17
